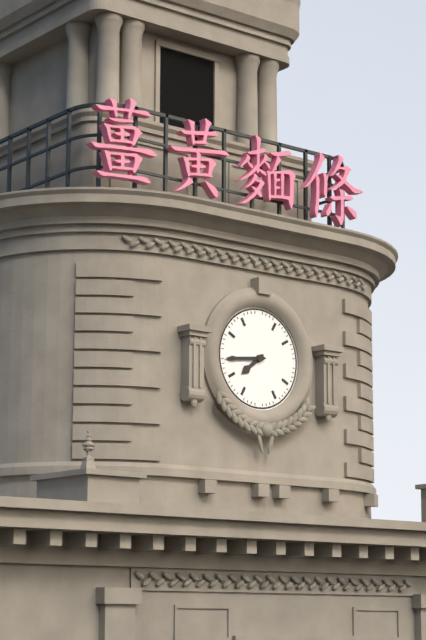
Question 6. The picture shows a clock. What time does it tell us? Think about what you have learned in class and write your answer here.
7:44
